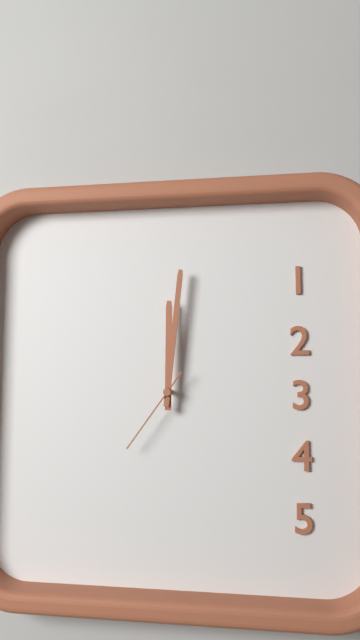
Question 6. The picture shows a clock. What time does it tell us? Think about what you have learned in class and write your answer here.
12:01:36
